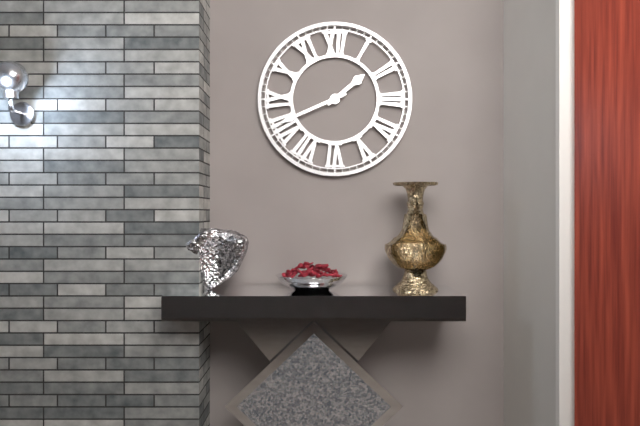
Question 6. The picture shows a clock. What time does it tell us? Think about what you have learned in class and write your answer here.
1:41
